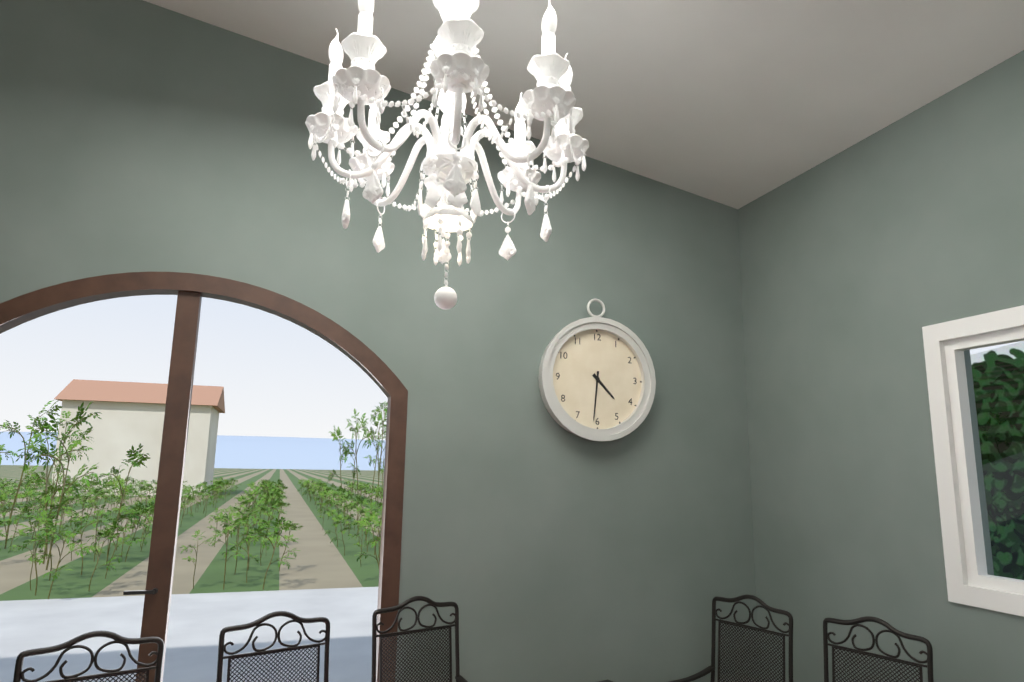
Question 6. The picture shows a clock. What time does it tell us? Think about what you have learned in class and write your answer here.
4:31
